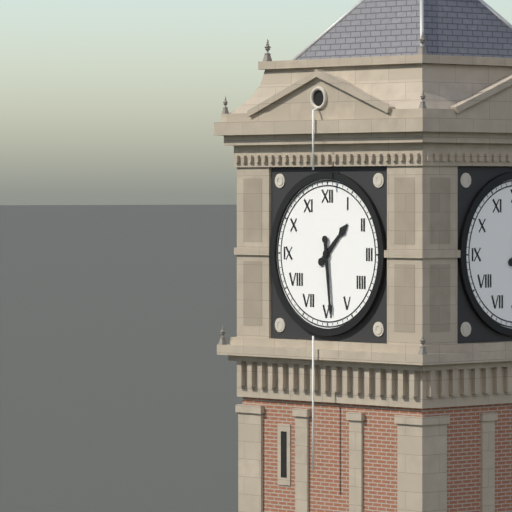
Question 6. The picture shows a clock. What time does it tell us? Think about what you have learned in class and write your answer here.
1:29
